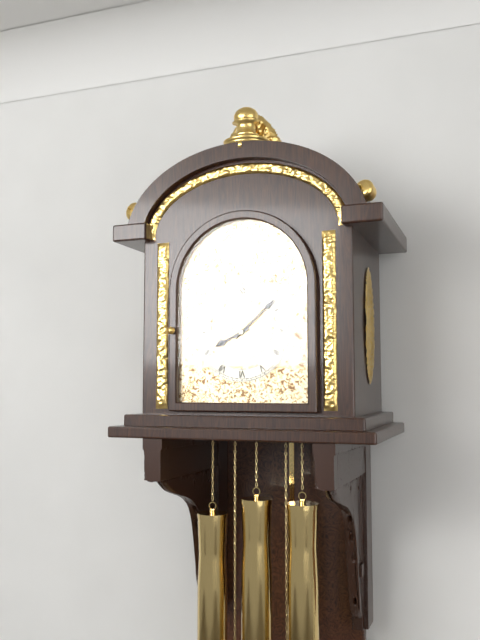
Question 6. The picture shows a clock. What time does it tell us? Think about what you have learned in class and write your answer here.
8:08
